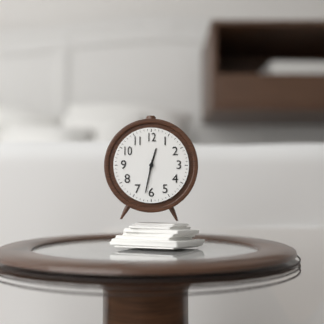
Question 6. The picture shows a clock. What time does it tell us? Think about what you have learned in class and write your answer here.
12:32
